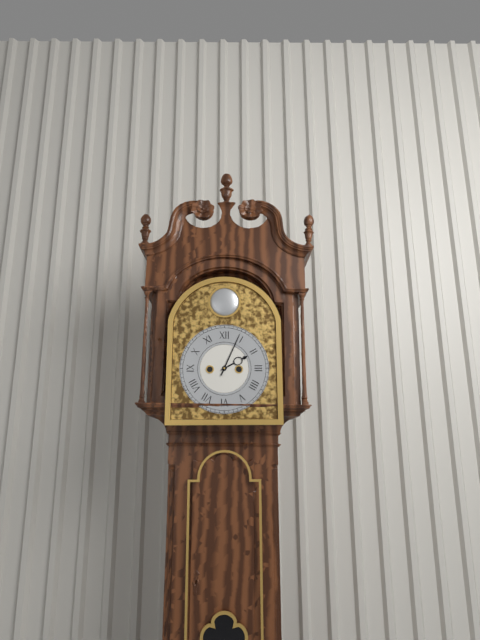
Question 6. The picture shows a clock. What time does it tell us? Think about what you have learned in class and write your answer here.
2:04
